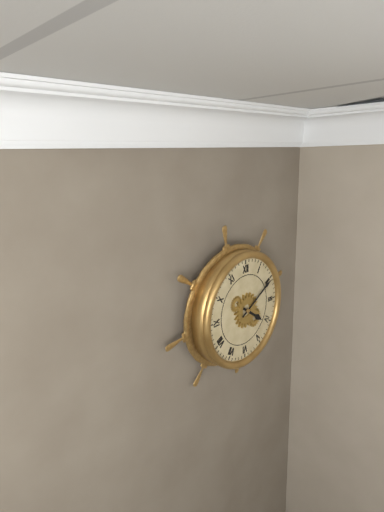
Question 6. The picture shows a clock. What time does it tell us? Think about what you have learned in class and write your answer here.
4:10
